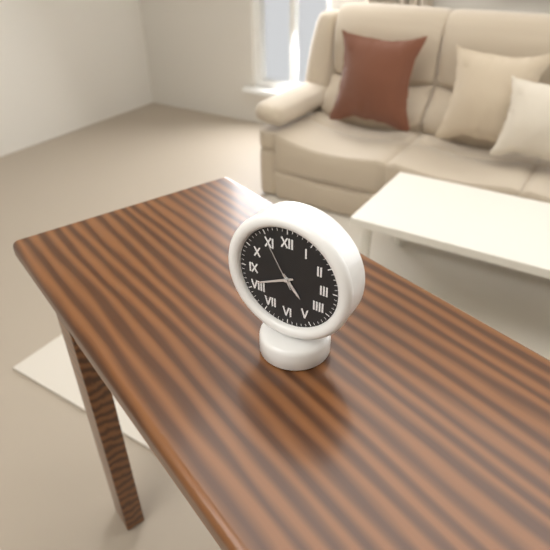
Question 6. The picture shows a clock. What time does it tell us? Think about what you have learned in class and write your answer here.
4:41:55
